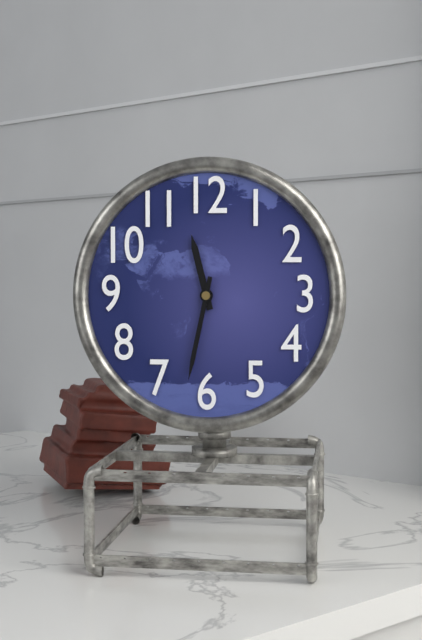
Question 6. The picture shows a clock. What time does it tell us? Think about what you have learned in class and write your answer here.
11:32
